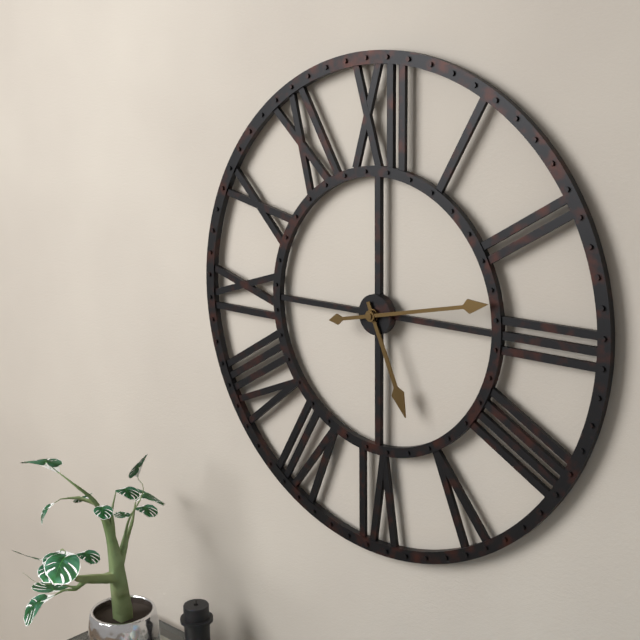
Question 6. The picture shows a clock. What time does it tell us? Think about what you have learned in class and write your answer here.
5:13
